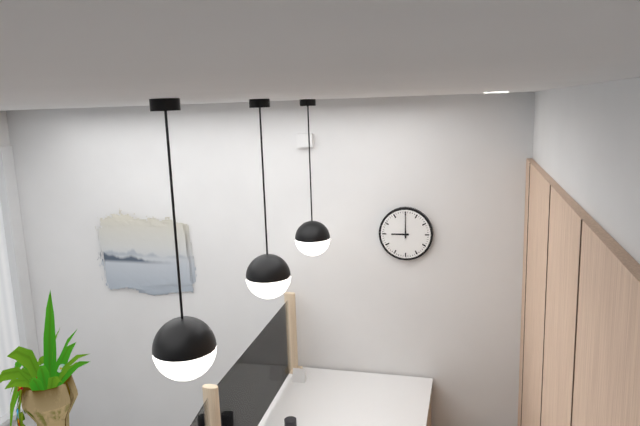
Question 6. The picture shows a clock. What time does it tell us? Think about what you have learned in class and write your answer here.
9:00
